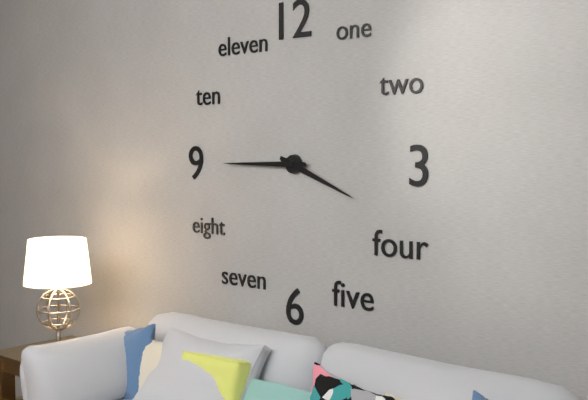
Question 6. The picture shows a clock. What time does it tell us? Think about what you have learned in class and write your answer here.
3:45
